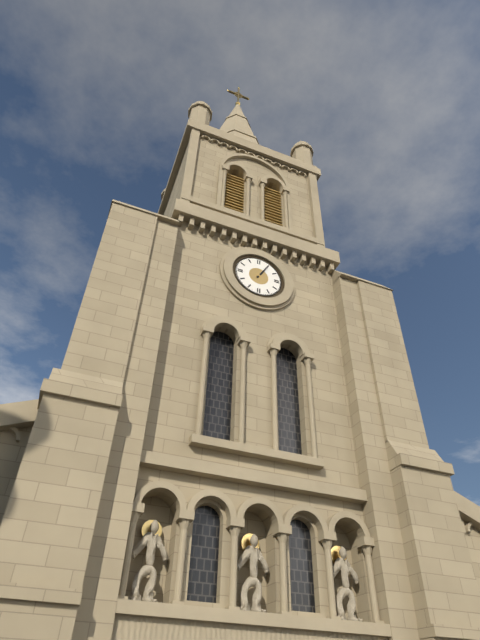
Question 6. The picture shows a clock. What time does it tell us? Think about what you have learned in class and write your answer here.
1:05
